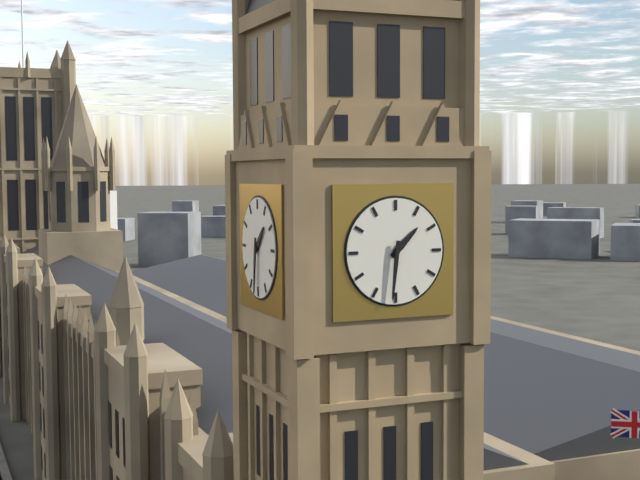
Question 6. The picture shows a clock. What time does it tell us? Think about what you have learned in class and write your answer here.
1:31
